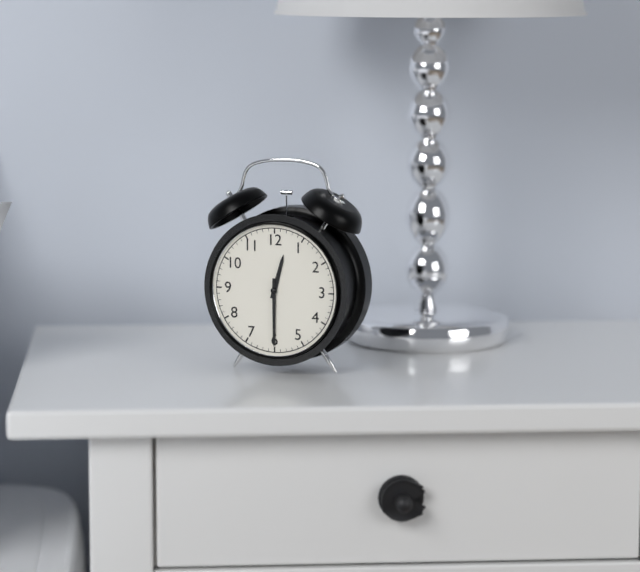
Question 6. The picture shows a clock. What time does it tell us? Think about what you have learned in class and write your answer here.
12:30
